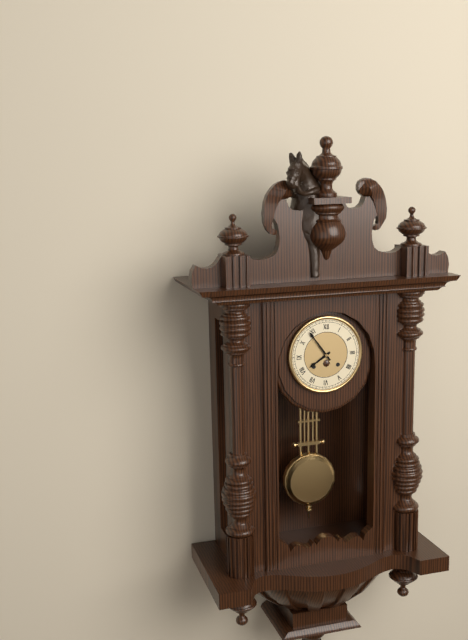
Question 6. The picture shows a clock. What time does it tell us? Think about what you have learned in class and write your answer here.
7:54
